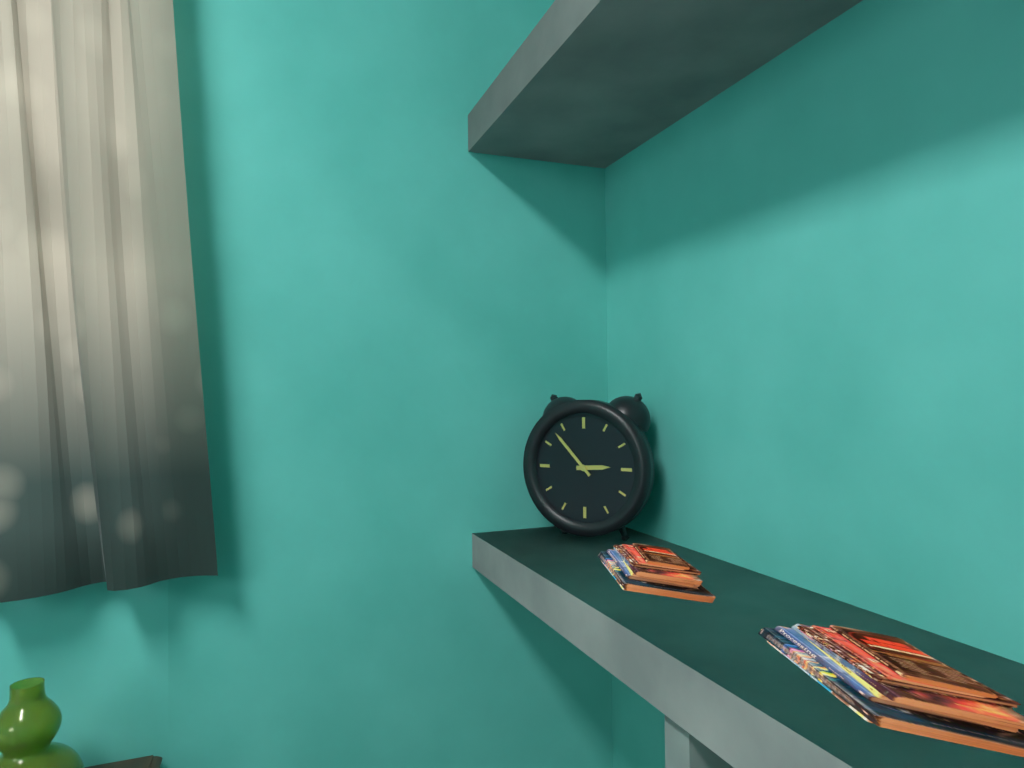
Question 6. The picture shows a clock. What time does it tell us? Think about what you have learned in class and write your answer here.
2:53
